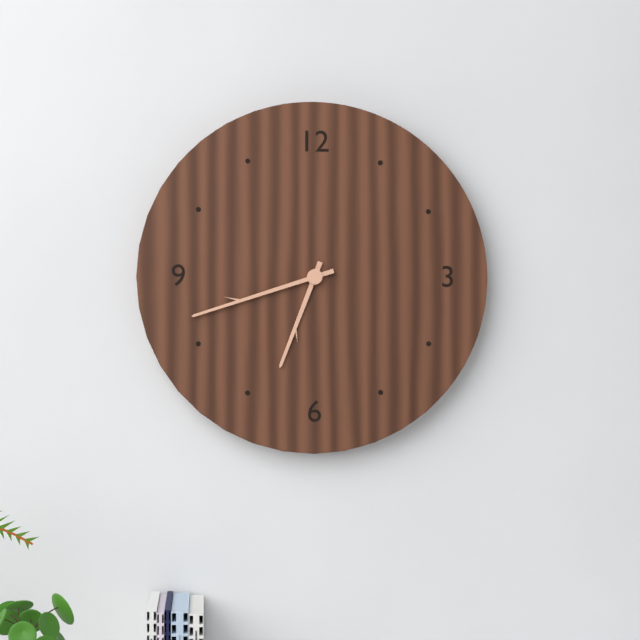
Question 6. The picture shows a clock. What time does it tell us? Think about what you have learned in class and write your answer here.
6:42
